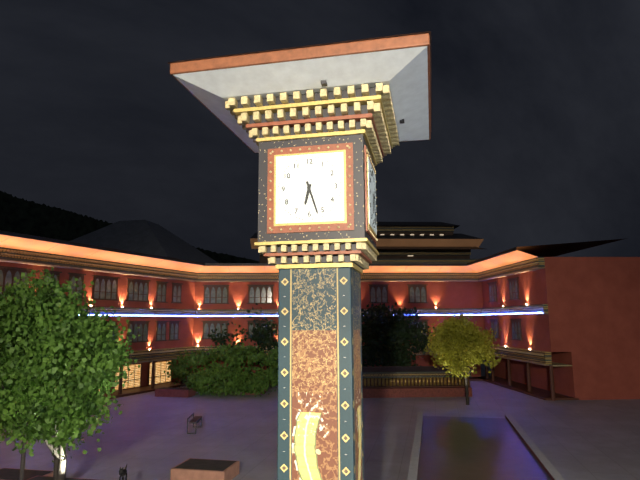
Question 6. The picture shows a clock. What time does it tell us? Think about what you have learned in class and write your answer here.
6:27
